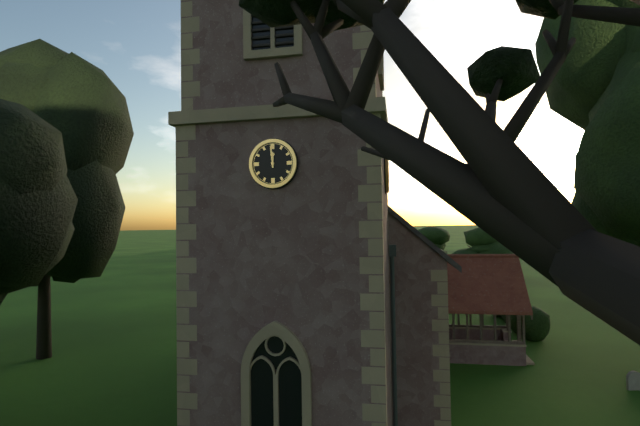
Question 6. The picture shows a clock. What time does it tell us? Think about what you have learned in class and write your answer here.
11:59
